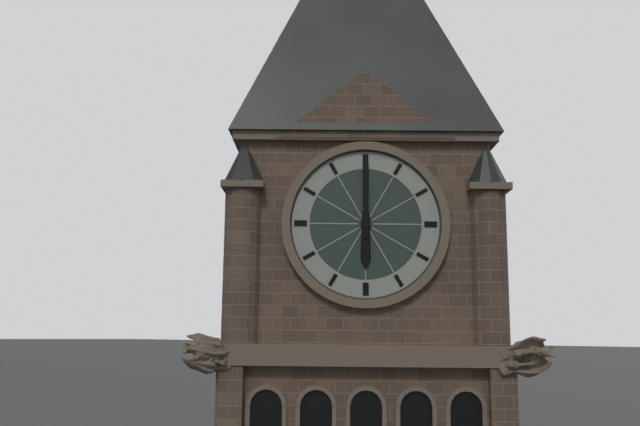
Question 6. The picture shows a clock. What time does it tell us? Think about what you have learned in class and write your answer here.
6:00
